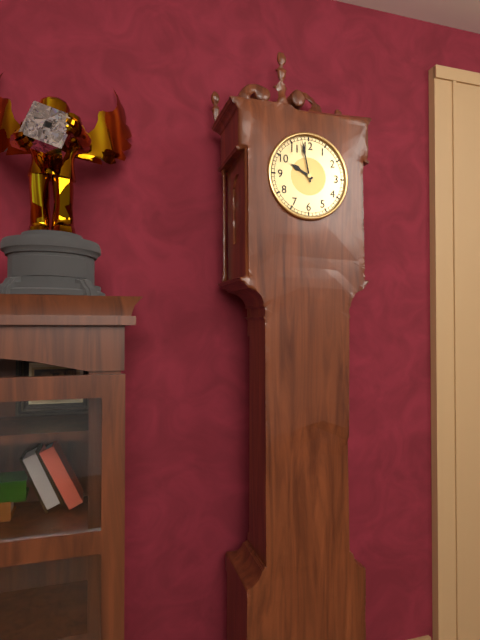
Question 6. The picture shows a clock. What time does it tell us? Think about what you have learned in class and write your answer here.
9:58
